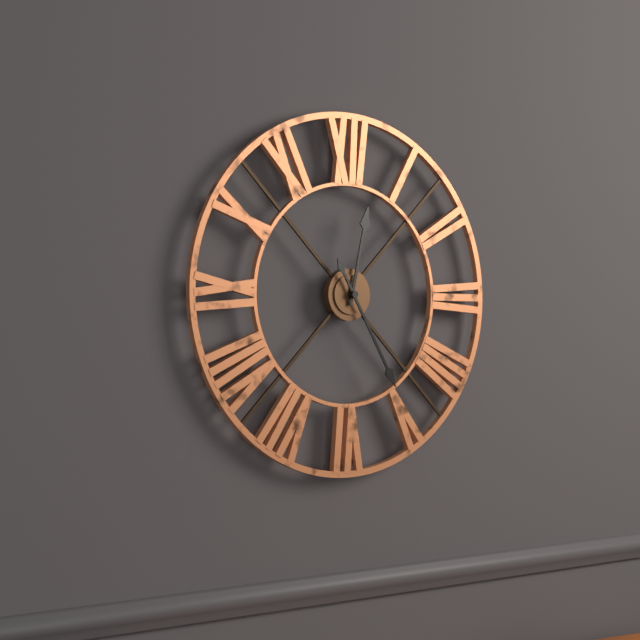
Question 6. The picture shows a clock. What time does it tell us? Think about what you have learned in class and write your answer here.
12:25
